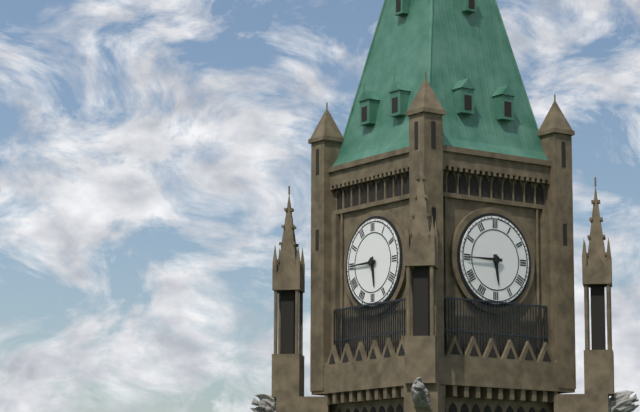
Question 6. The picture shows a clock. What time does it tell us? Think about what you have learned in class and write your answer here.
5:45
